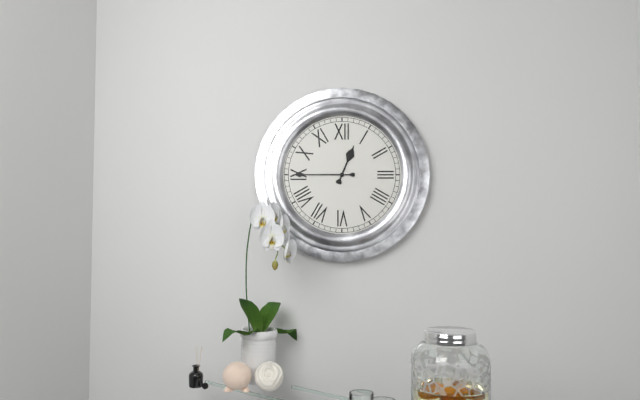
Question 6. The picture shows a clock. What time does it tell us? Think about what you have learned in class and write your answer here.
12:45
